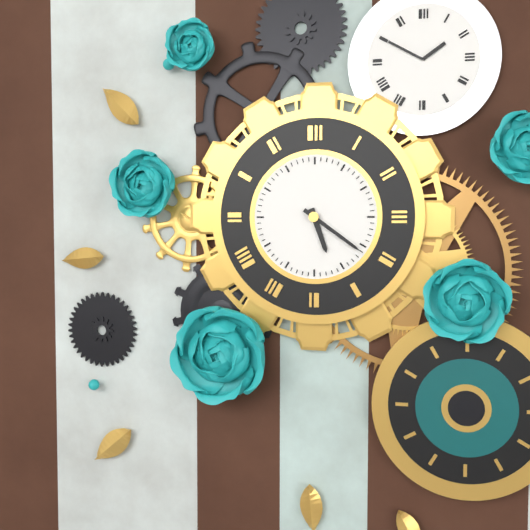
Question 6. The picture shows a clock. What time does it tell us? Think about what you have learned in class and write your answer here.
5:21
